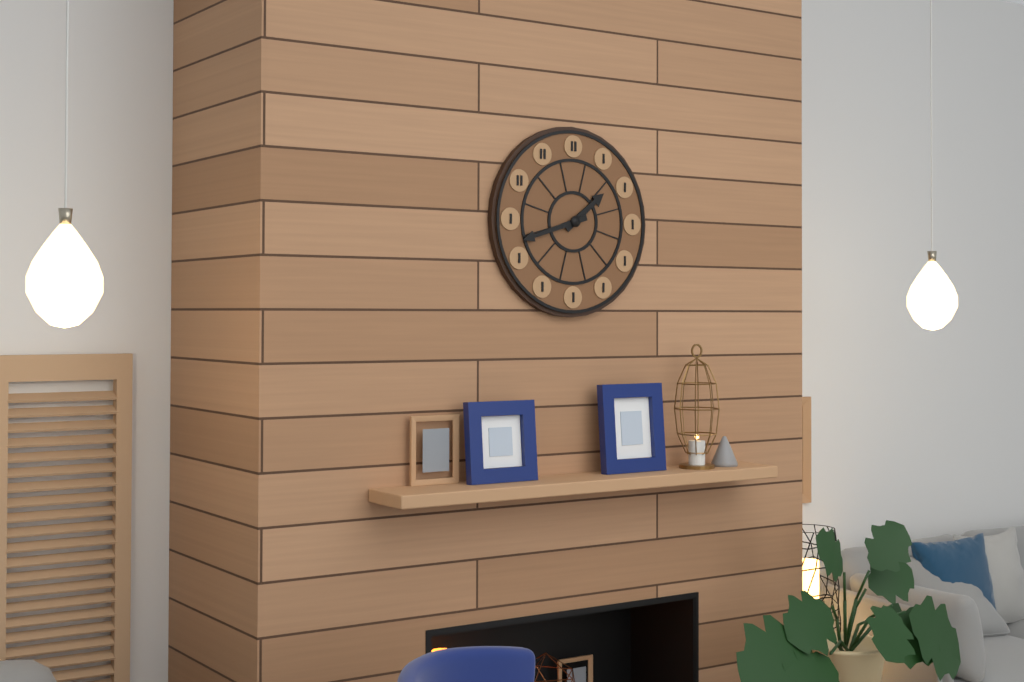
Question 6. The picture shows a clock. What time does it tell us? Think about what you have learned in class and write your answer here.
1:42
